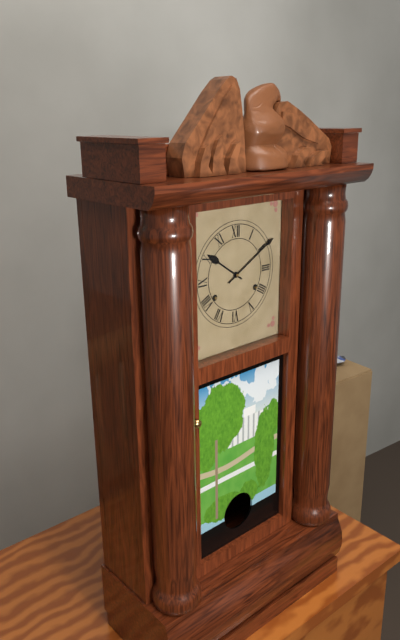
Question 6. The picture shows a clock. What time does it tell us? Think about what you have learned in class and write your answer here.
10:10
